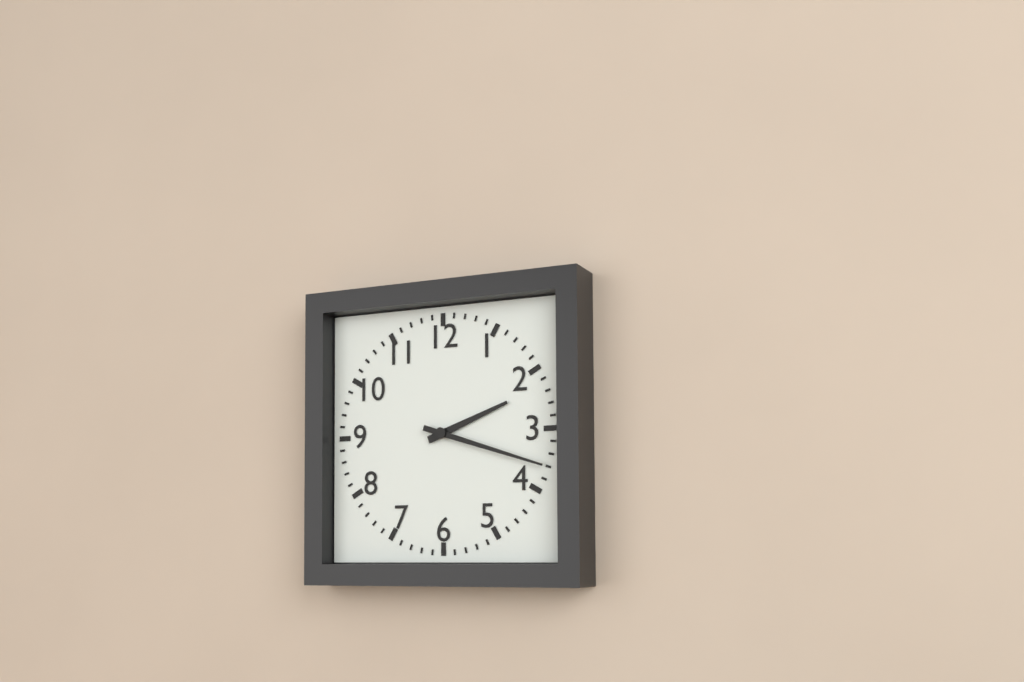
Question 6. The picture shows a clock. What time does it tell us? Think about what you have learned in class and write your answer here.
2:18
